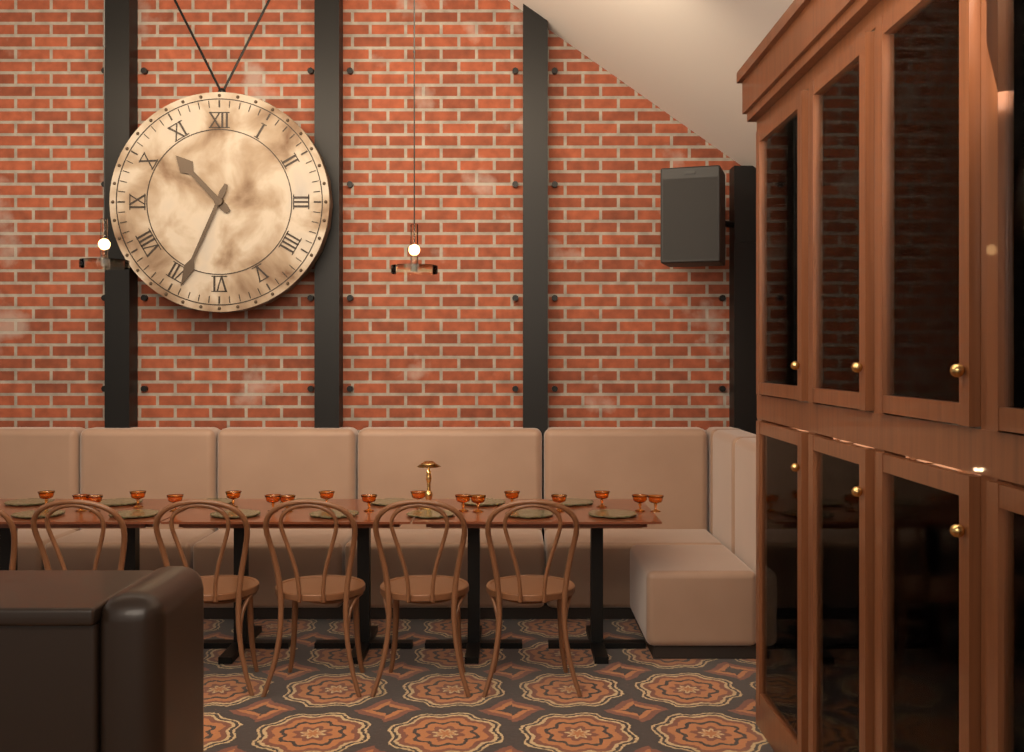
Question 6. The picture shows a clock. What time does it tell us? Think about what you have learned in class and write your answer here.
10:34
